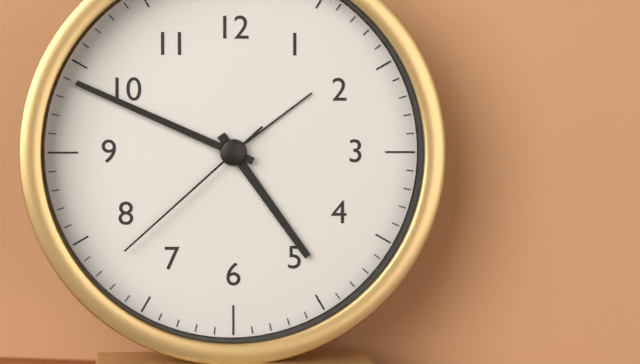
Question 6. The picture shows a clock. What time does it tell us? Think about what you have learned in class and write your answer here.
4:49:38
